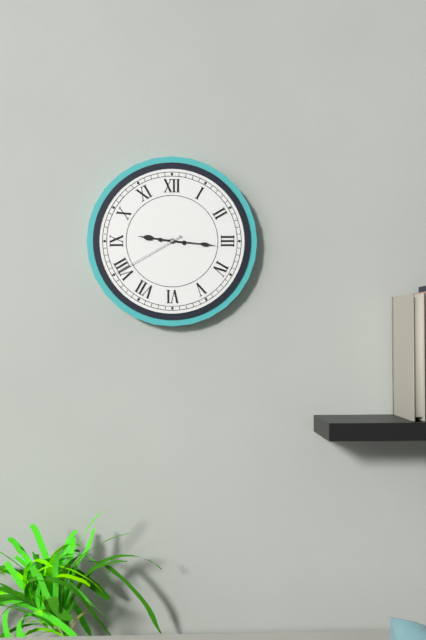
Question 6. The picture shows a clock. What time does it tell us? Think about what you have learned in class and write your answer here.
9:16:40
